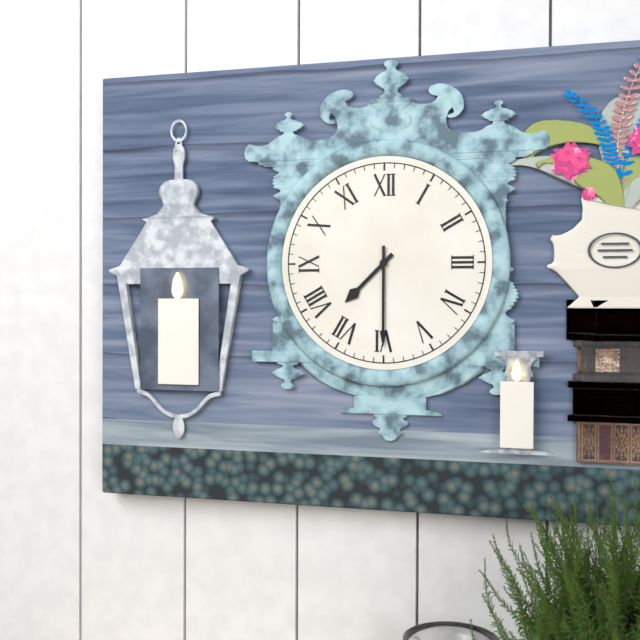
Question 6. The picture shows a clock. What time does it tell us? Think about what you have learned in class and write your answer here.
7:30
